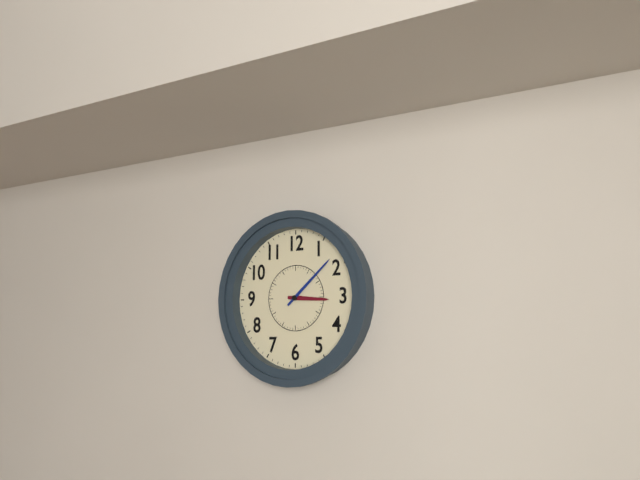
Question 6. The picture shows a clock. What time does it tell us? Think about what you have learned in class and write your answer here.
3:08
